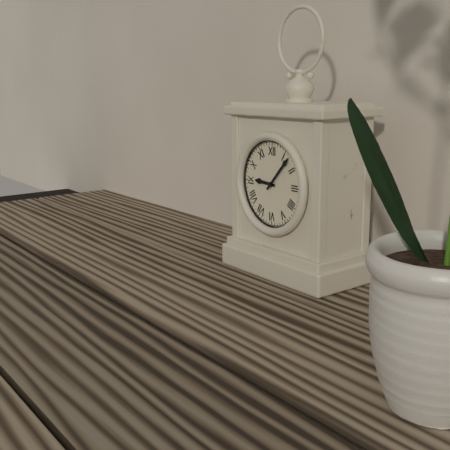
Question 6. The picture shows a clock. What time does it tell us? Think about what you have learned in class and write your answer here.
9:07
